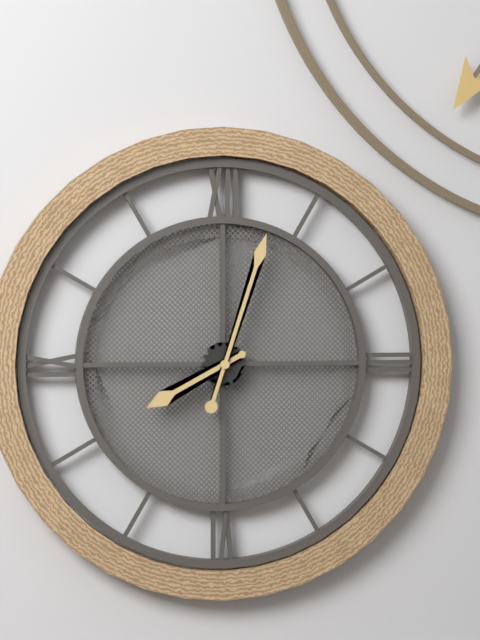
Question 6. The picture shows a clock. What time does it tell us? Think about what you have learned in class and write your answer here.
8:03
